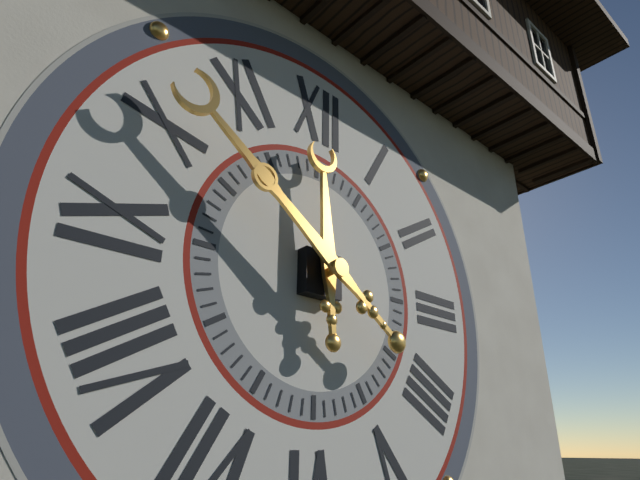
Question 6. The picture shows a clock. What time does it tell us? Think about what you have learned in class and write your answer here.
11:51
